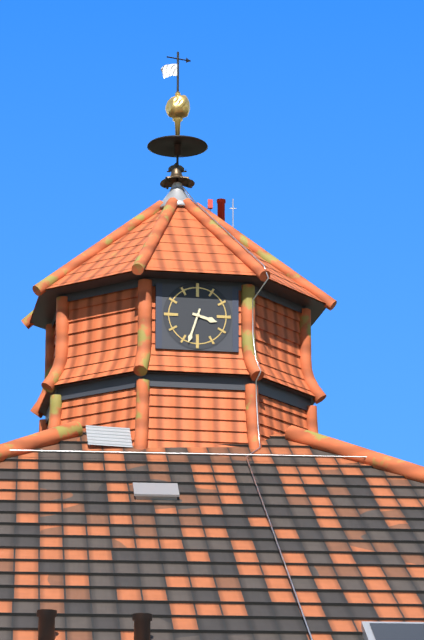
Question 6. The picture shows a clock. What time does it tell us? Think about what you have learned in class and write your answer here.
3:33
